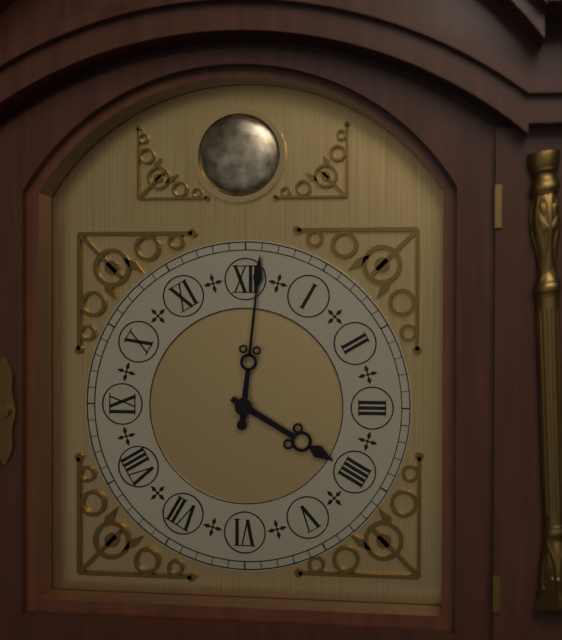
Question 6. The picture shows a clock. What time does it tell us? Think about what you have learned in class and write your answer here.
4:01
